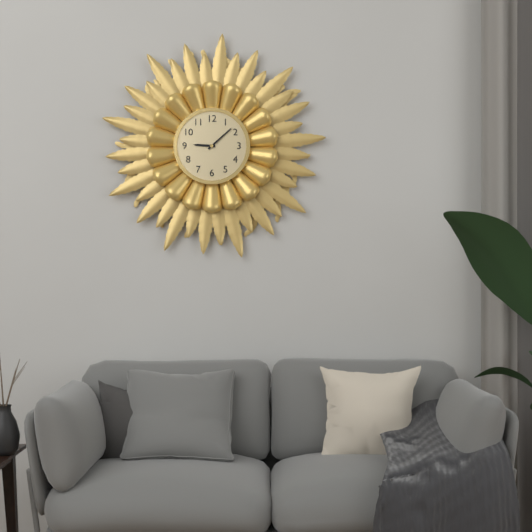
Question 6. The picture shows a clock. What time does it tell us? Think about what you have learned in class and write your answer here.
9:08
